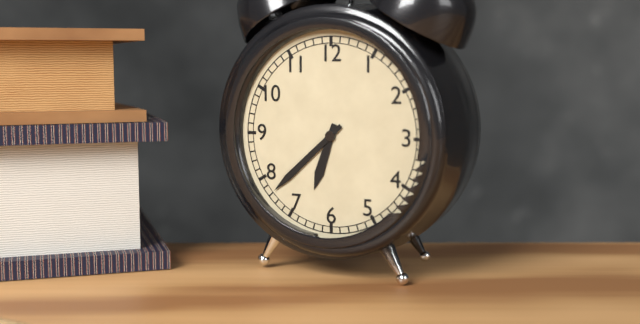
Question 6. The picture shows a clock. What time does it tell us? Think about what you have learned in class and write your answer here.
6:38
